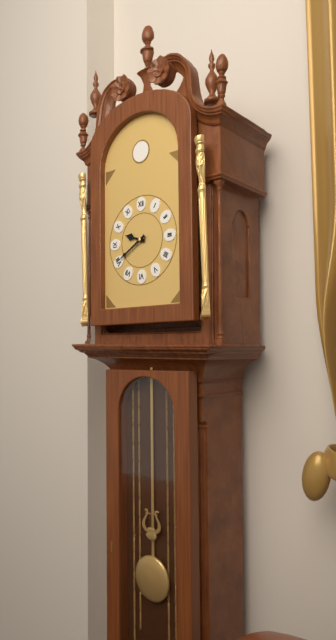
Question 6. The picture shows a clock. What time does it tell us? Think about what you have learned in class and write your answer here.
9:40
